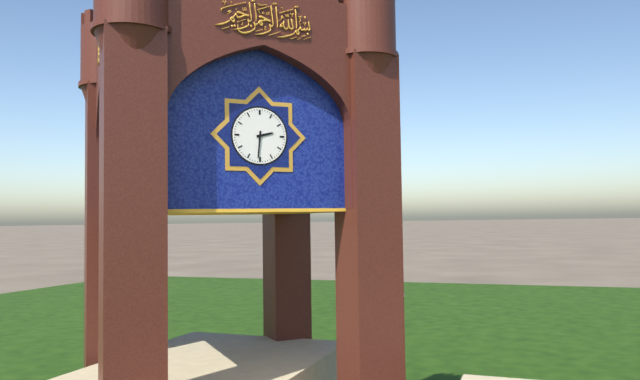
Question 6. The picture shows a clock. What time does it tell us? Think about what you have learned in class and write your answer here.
2:31
